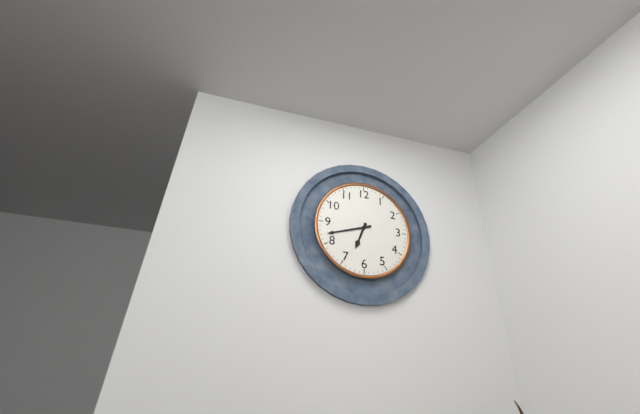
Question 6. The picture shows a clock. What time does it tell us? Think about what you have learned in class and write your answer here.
6:42
